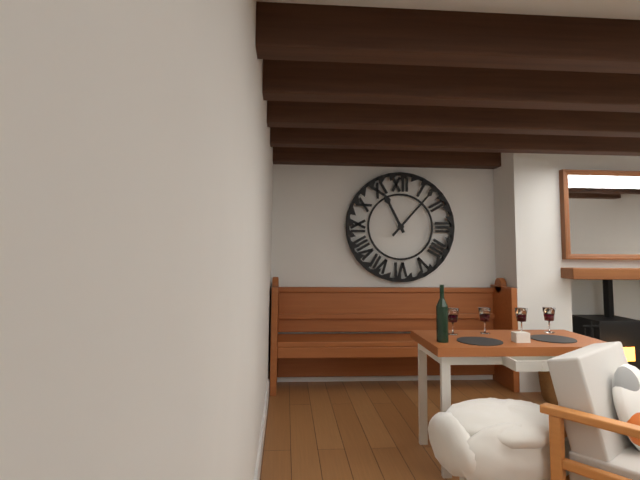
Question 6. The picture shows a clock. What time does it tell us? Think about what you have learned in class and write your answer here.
11:07
